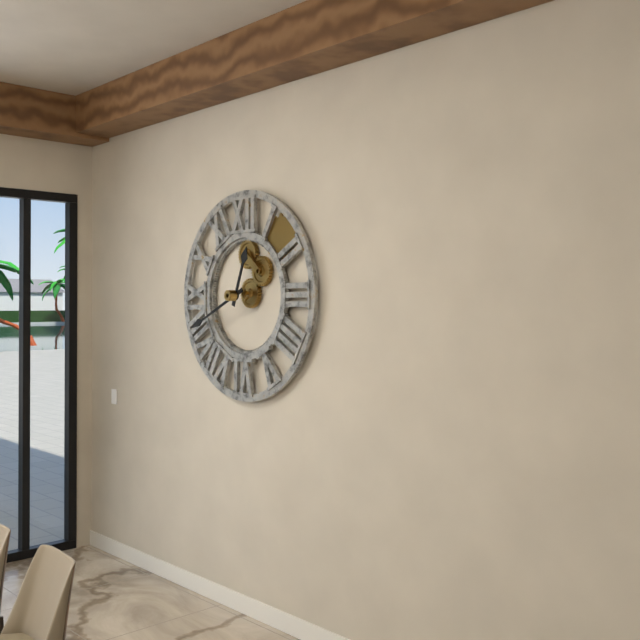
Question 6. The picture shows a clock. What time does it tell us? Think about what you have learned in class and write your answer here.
12:41
